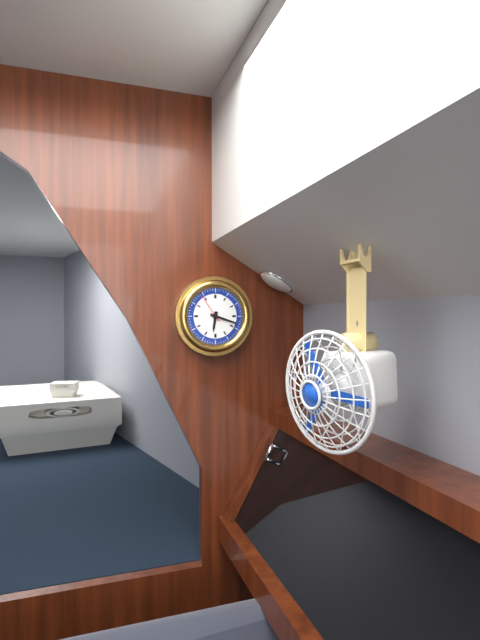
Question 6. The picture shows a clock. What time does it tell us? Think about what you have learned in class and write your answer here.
6:18
